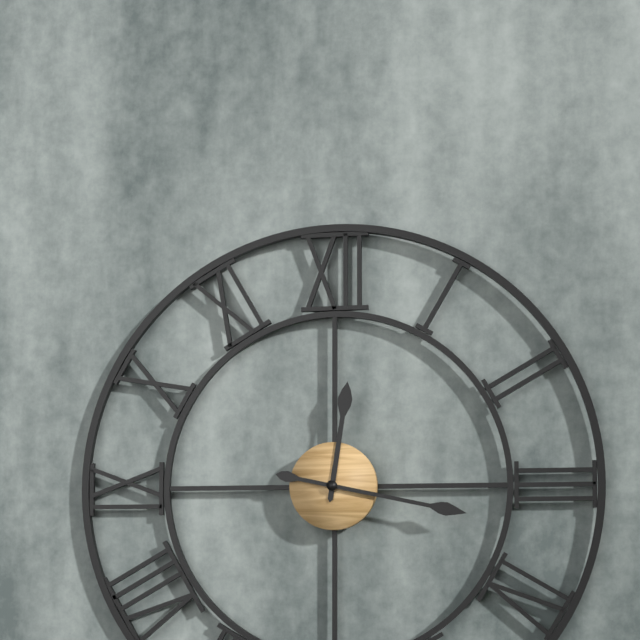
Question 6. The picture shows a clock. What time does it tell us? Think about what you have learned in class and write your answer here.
12:17
